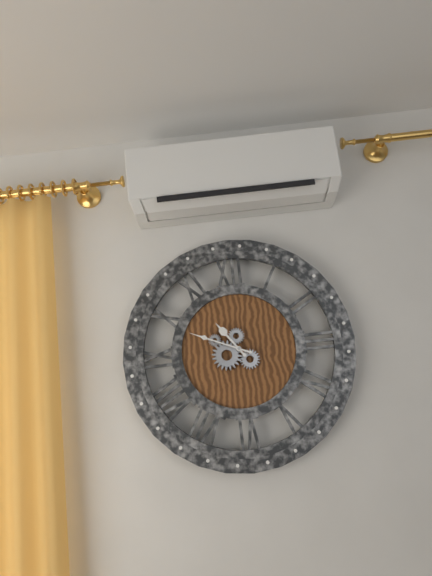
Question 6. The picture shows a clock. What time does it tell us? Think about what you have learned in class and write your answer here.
10:49
